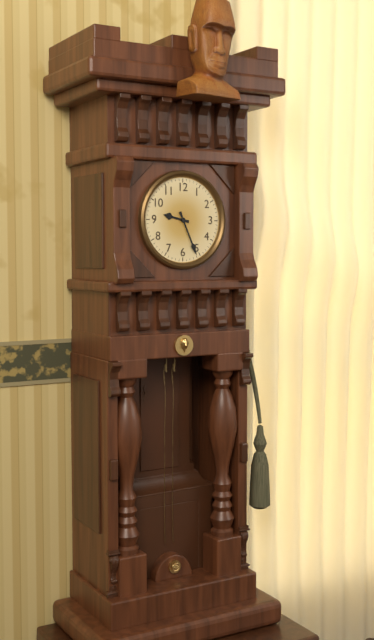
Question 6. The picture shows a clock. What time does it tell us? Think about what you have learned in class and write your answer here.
9:26
